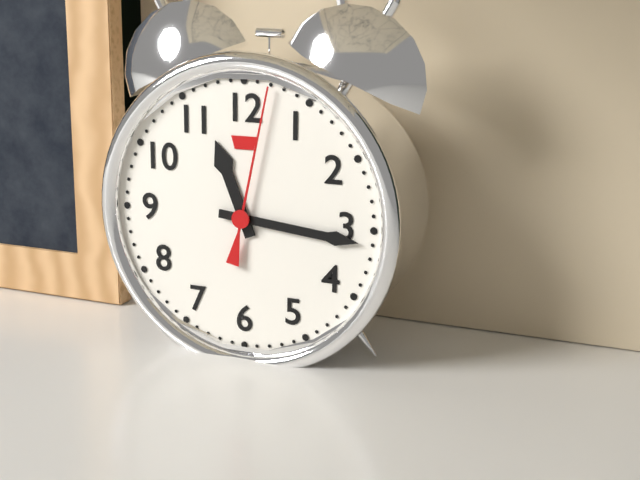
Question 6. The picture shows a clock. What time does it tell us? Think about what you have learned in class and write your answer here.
11:16:02
